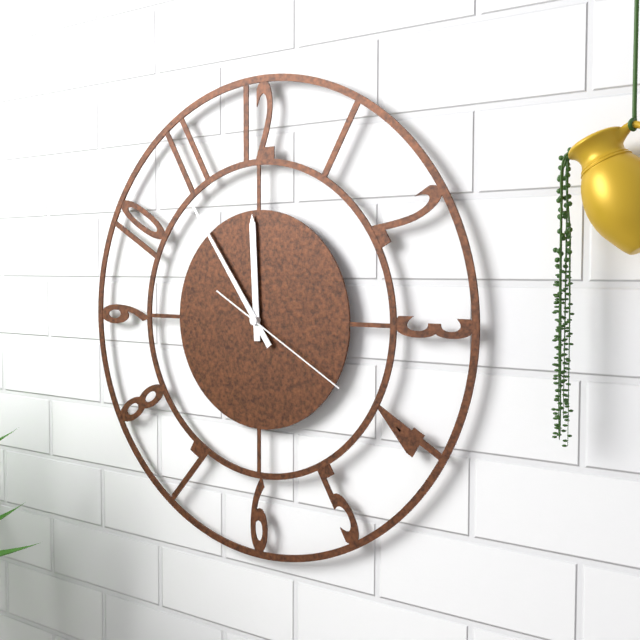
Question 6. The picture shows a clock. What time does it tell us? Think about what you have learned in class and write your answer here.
11:54:20
